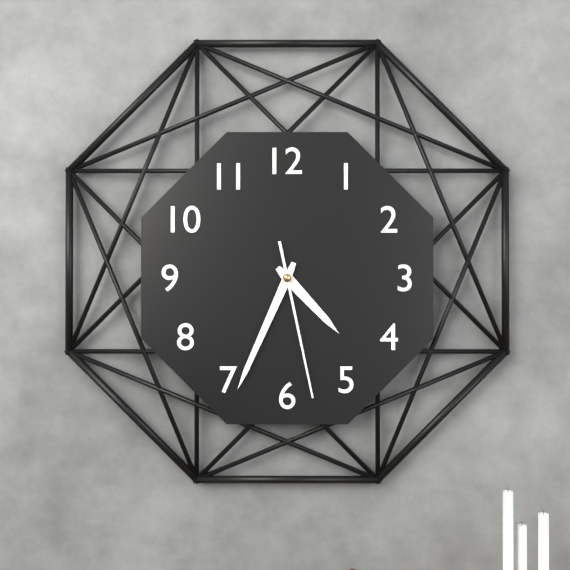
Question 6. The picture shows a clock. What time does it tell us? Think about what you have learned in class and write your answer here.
4:34:28
